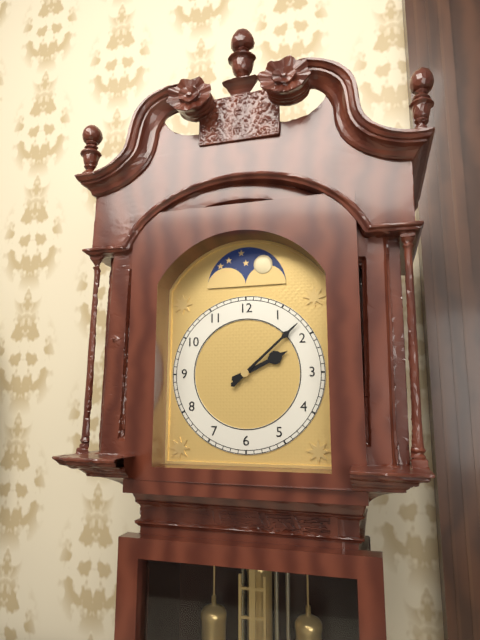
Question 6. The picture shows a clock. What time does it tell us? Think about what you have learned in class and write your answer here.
2:08
